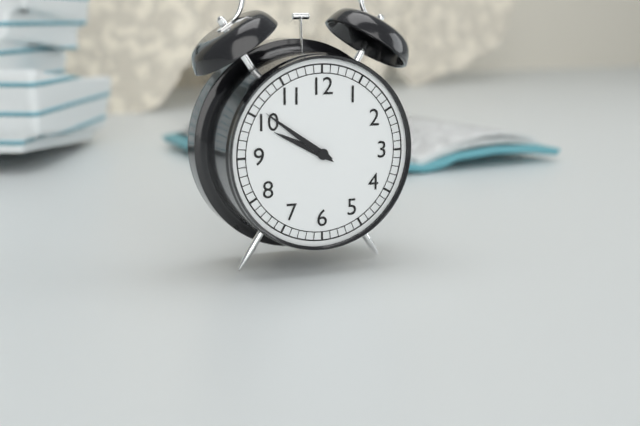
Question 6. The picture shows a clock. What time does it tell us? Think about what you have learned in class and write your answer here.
9:51
